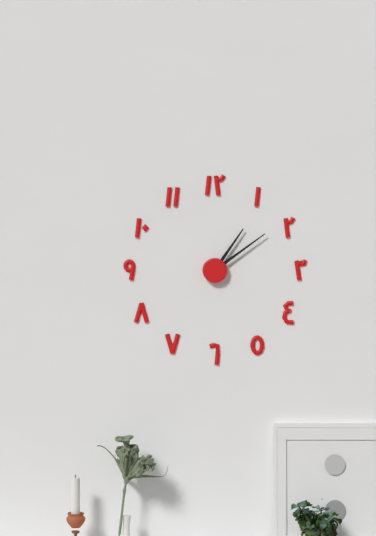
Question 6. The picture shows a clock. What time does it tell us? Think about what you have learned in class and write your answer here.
1:09
